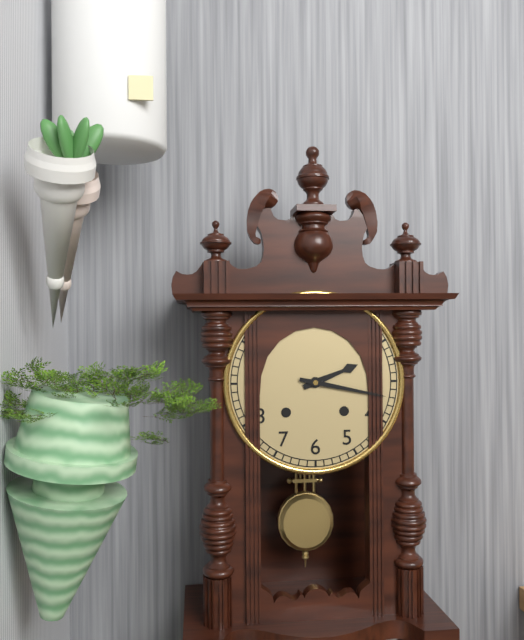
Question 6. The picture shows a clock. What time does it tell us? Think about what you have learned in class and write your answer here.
2:17
